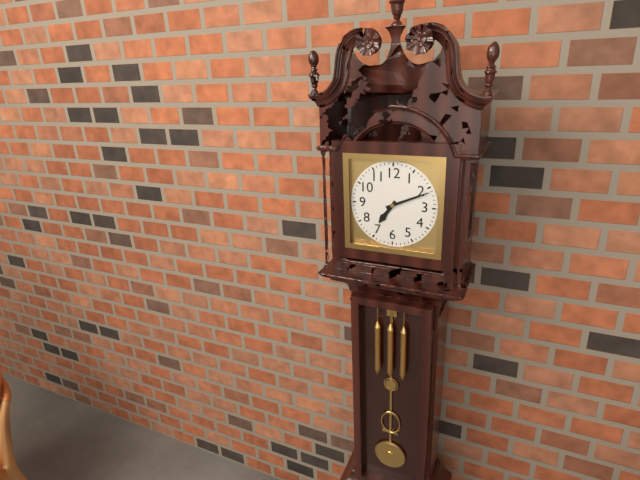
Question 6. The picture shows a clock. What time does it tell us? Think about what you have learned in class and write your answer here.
7:11
